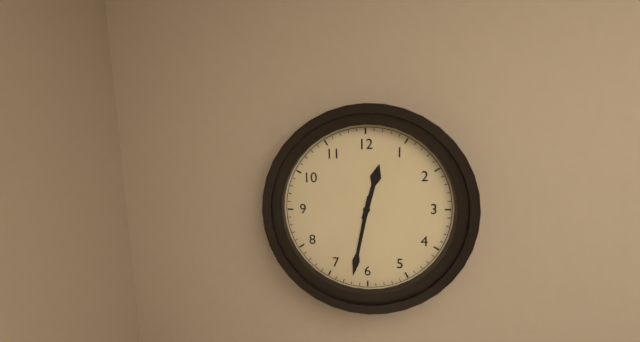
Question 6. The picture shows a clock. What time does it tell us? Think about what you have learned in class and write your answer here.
12:32
